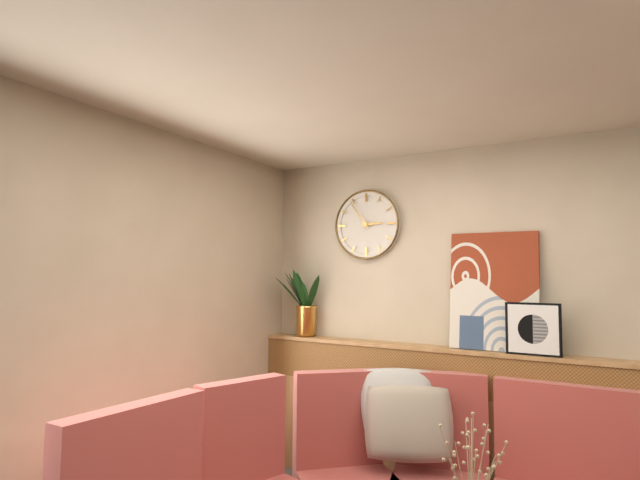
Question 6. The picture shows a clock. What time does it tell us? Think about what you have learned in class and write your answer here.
2:54
